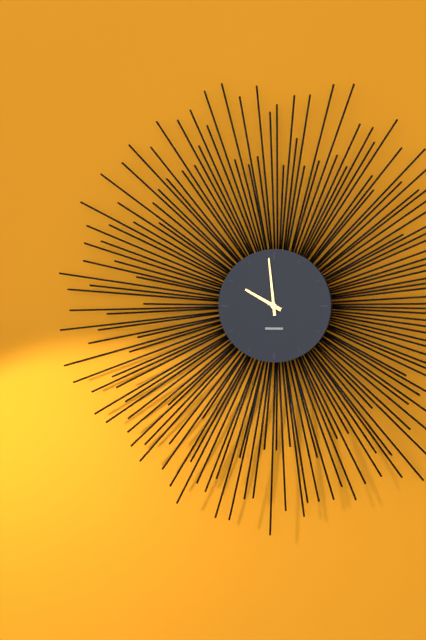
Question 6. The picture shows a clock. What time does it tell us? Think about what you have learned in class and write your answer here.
9:59
